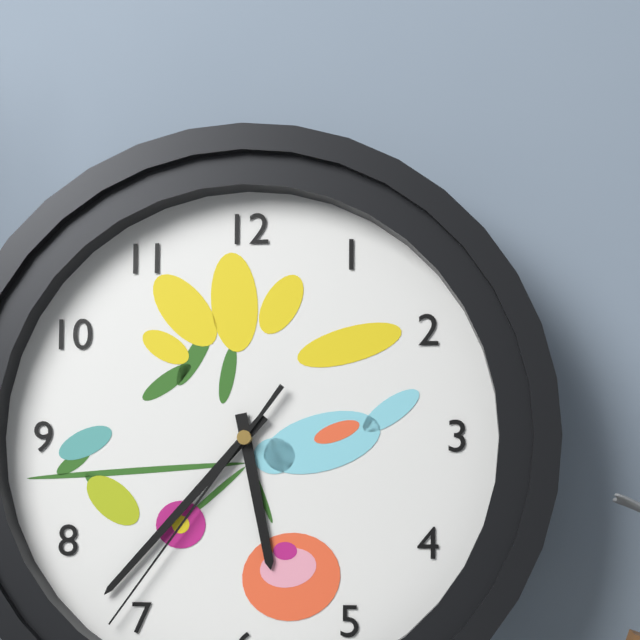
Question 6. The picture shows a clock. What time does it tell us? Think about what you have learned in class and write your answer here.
5:37:36
